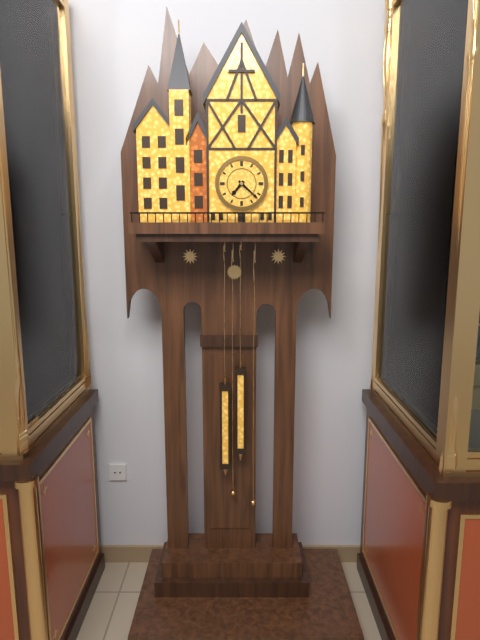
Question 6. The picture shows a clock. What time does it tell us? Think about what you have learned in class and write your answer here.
7:22
